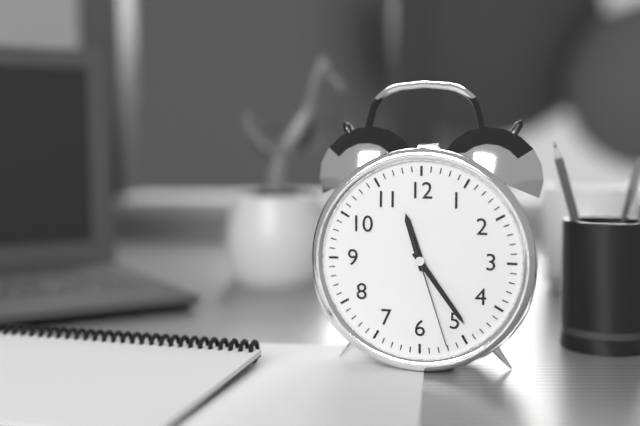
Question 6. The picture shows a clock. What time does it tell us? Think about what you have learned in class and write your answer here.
11:24:27
